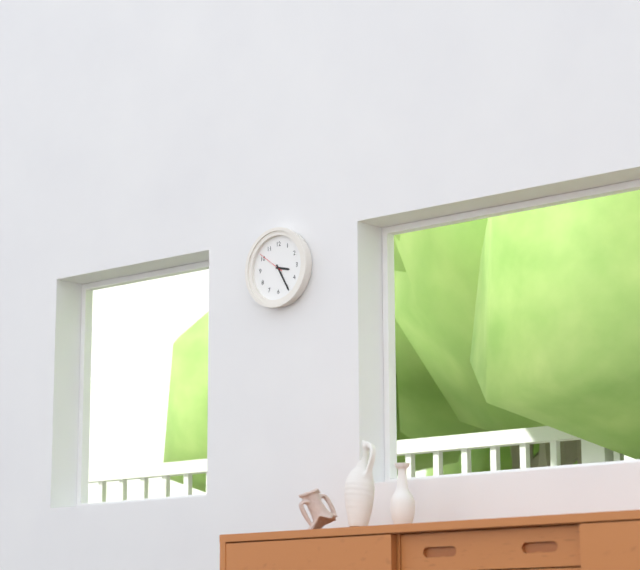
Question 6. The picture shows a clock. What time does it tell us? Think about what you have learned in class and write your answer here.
3:25
